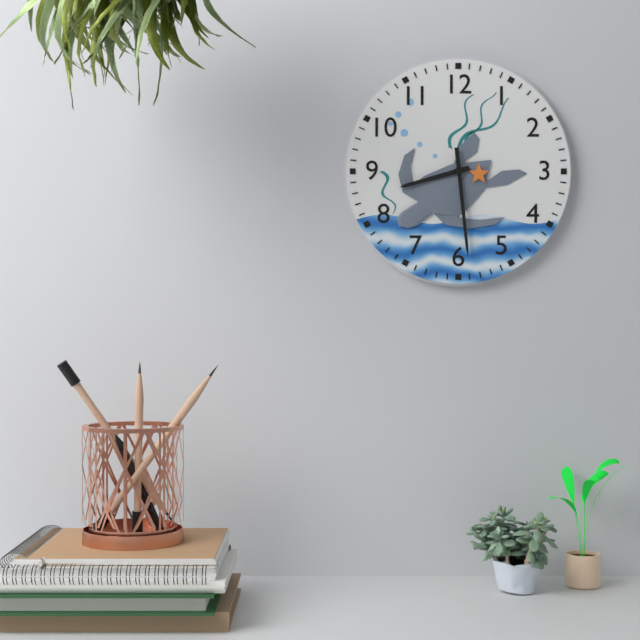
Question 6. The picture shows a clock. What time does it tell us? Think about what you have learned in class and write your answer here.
8:29
